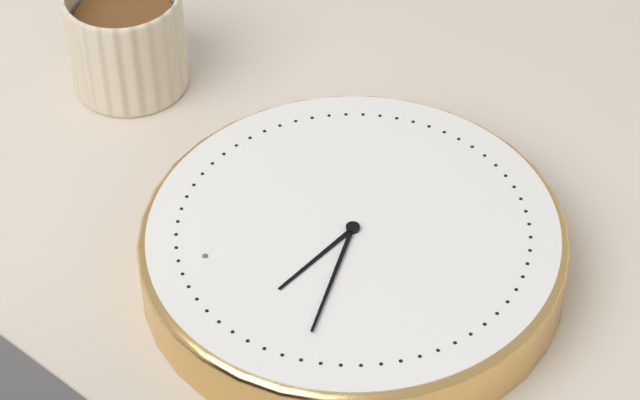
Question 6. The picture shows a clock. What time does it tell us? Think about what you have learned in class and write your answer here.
10:50
